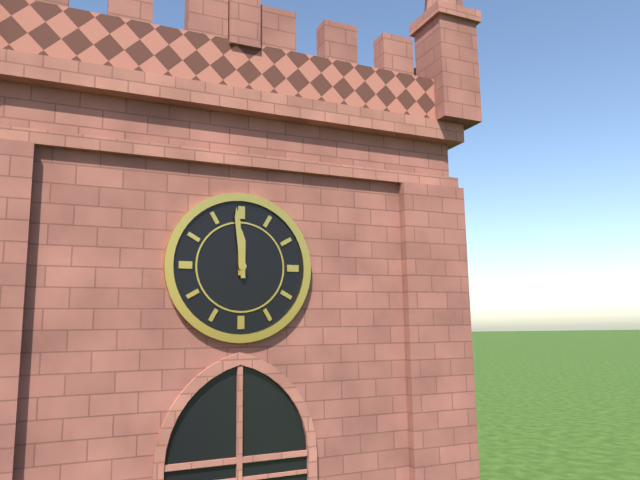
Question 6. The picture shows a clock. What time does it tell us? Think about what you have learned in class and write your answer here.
11:59
